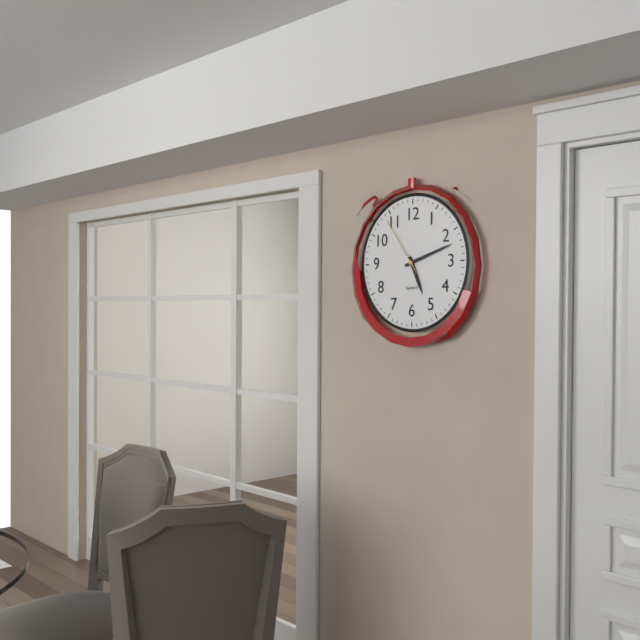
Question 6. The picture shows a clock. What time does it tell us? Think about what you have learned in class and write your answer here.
5:12:54
